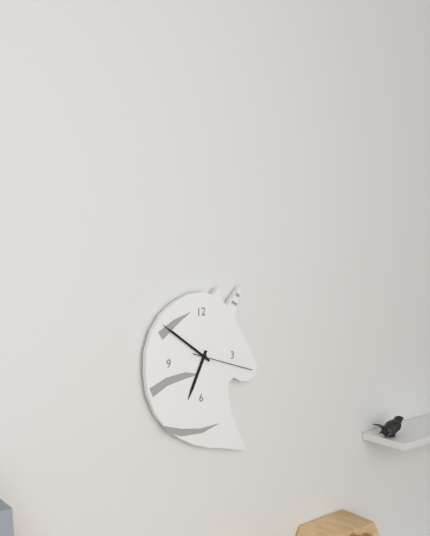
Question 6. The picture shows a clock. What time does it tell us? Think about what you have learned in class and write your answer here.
6:51:18
